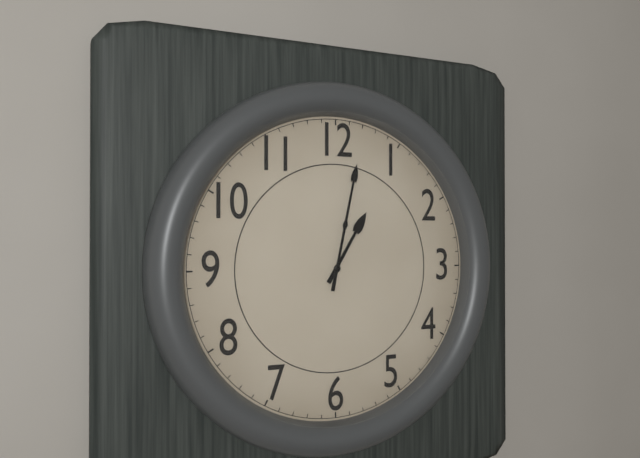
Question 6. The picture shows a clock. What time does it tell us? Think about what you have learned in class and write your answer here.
1:02
